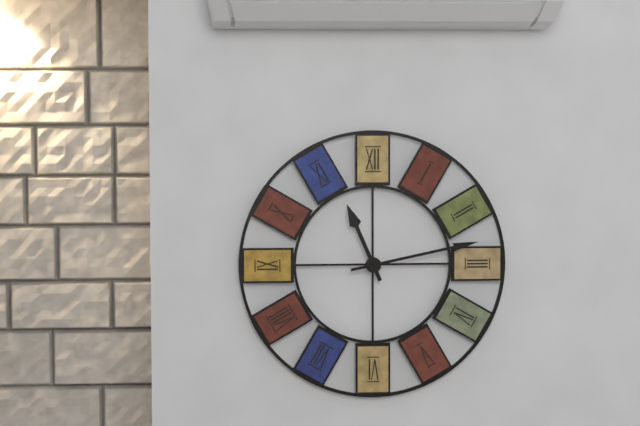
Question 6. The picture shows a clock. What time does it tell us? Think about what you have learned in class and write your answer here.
11:13
